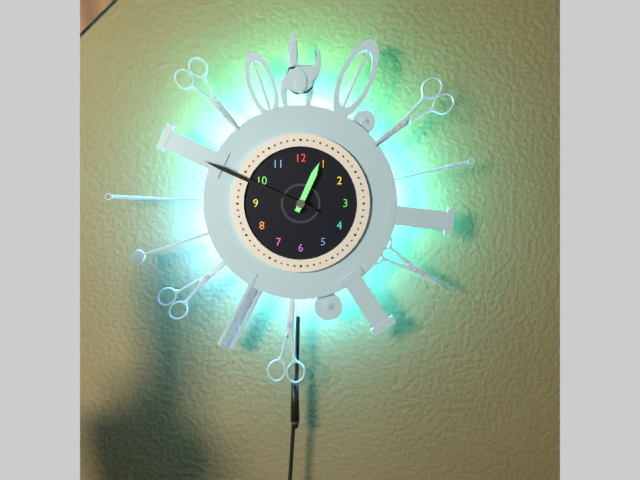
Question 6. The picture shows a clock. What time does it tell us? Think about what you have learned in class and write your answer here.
12:49
